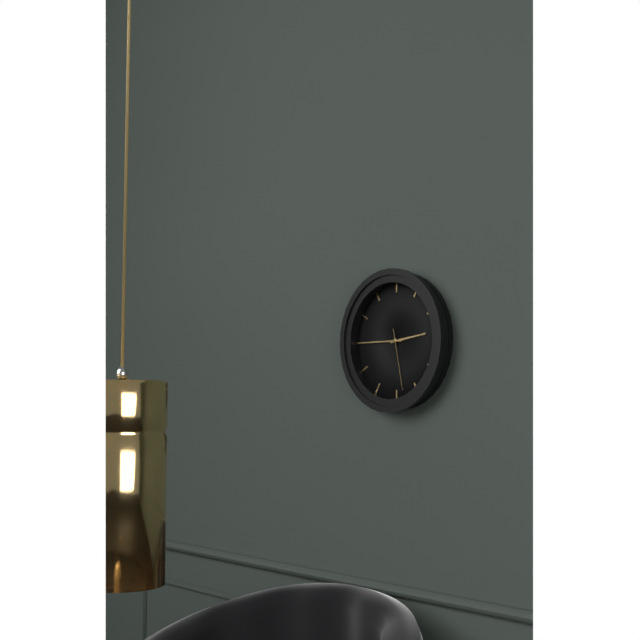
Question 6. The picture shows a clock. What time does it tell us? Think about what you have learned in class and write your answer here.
2:45:28
